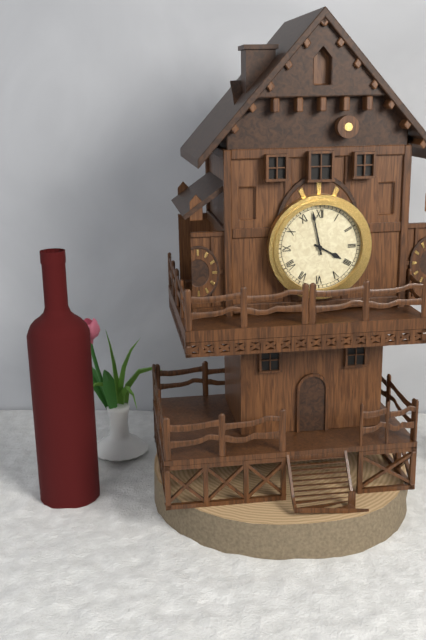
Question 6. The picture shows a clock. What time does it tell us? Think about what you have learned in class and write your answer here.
3:58
